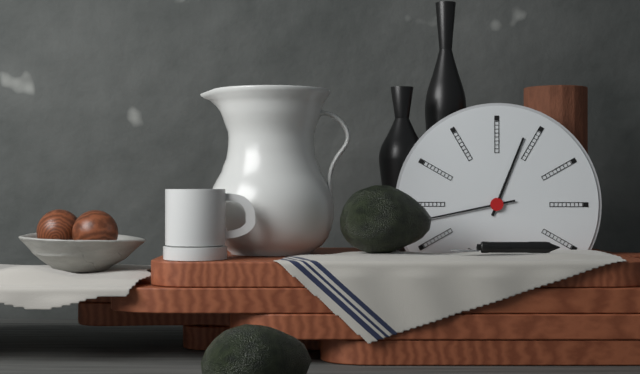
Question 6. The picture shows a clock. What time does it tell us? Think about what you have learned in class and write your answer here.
12:43
